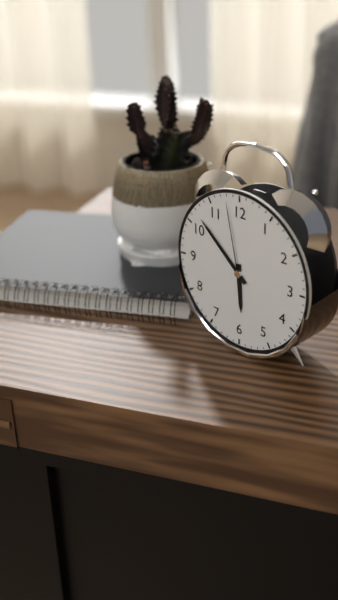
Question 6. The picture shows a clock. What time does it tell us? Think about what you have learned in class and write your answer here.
5:52:58
